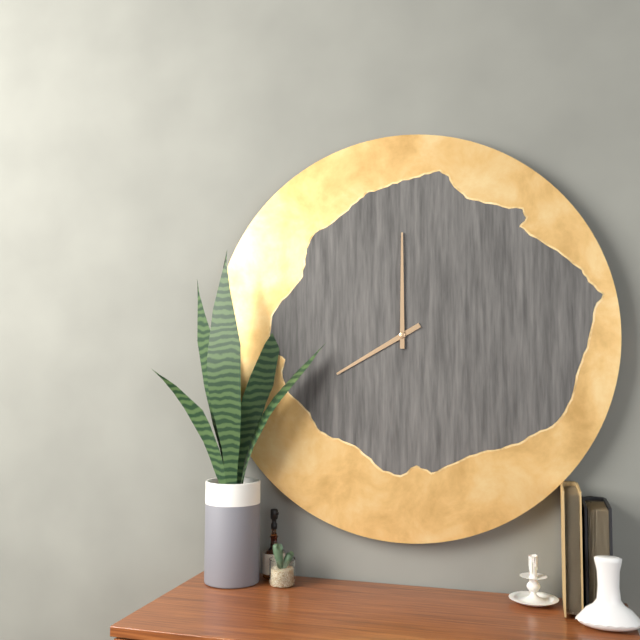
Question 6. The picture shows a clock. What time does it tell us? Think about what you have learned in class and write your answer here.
8:00
